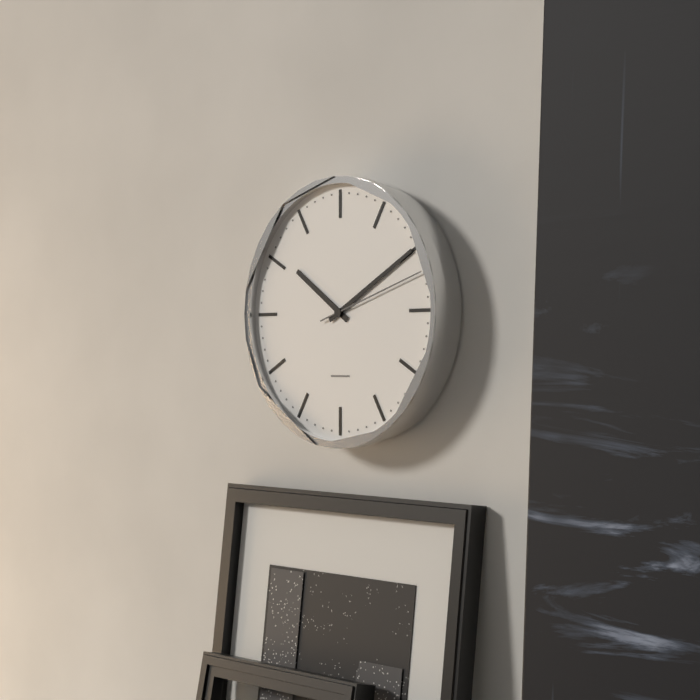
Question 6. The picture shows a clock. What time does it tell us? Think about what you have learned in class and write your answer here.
10:10:12
